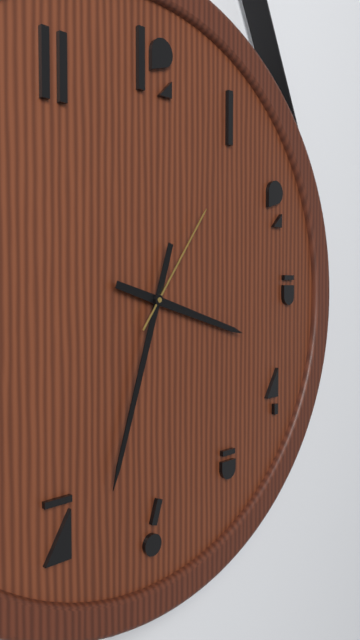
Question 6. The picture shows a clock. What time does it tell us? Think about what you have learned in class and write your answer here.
3:33:06
